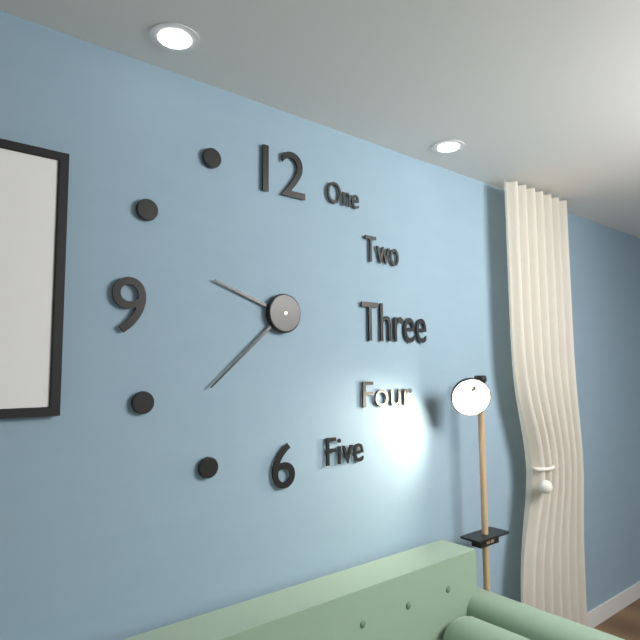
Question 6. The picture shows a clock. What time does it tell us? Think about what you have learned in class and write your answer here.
9:38
